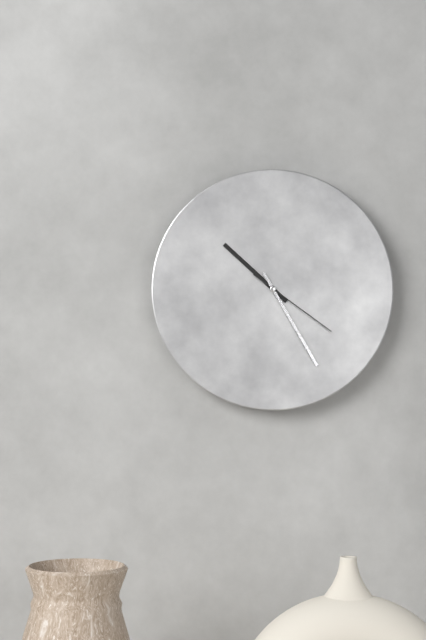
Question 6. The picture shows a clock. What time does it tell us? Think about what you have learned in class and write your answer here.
10:25:21
